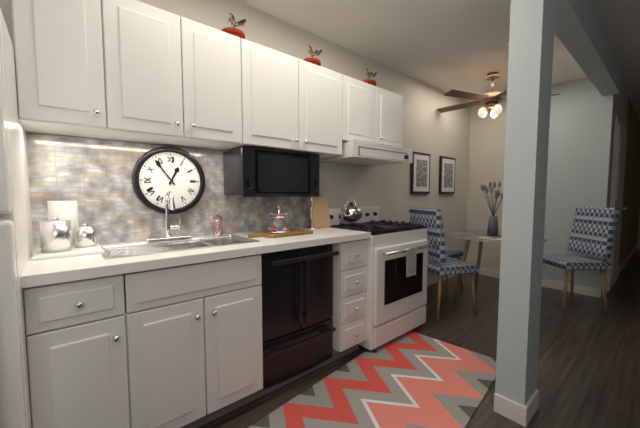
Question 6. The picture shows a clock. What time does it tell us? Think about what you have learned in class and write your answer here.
12:54
